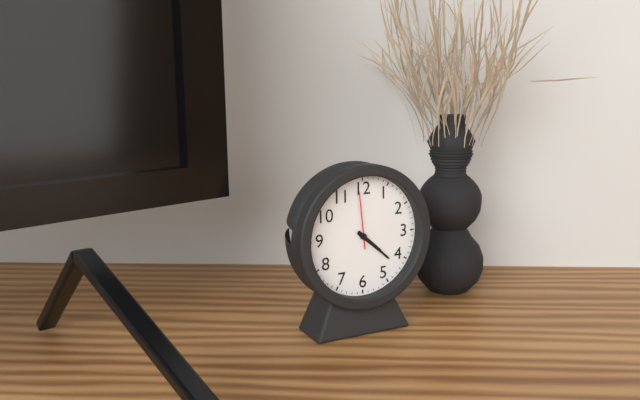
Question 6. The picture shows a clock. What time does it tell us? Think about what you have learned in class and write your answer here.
4:22:59
